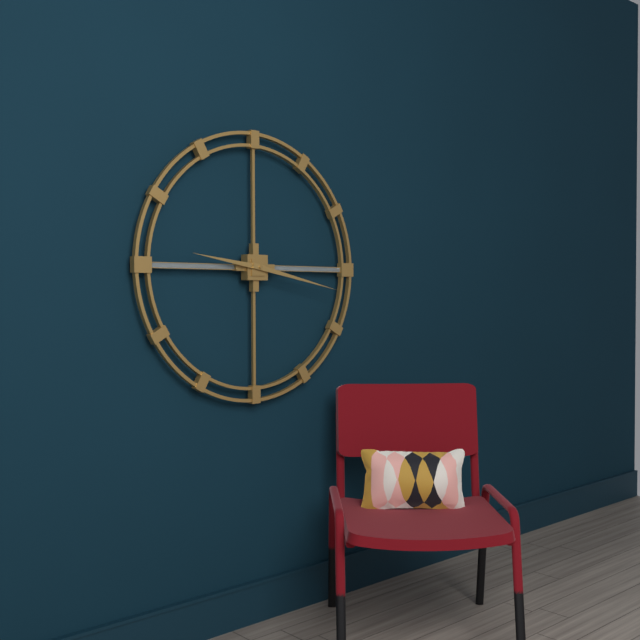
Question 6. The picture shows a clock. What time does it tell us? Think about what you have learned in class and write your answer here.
9:17
